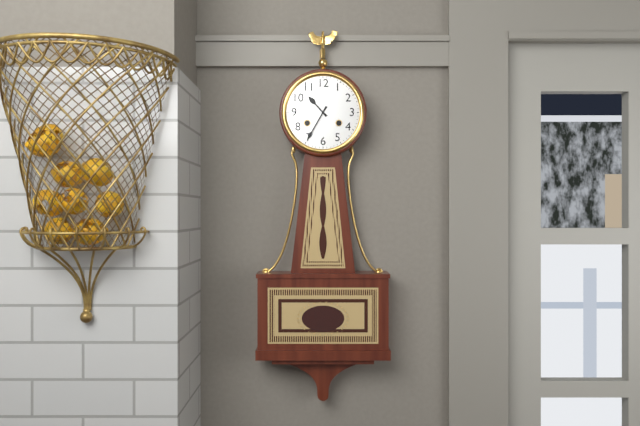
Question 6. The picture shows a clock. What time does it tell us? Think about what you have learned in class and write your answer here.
10:35
